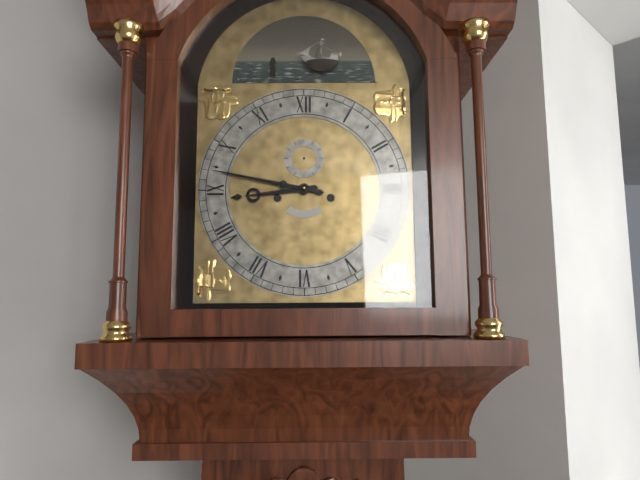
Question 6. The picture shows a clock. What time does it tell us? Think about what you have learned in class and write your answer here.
8:47
